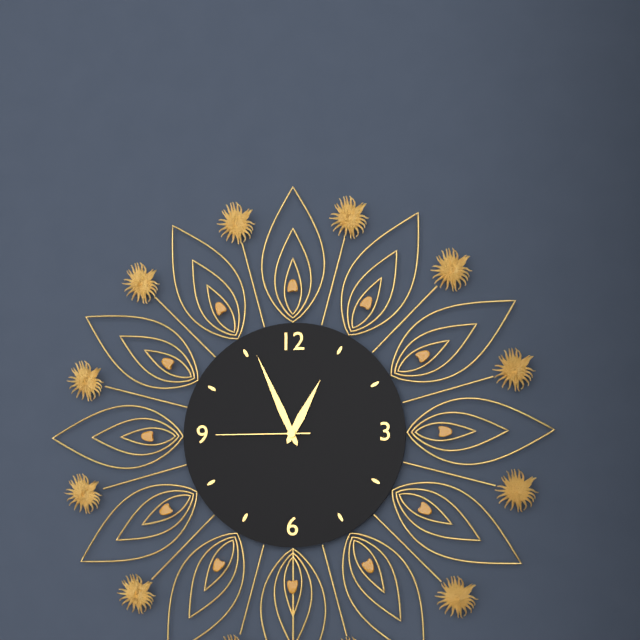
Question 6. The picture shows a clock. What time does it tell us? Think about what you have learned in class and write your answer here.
12:56:45
